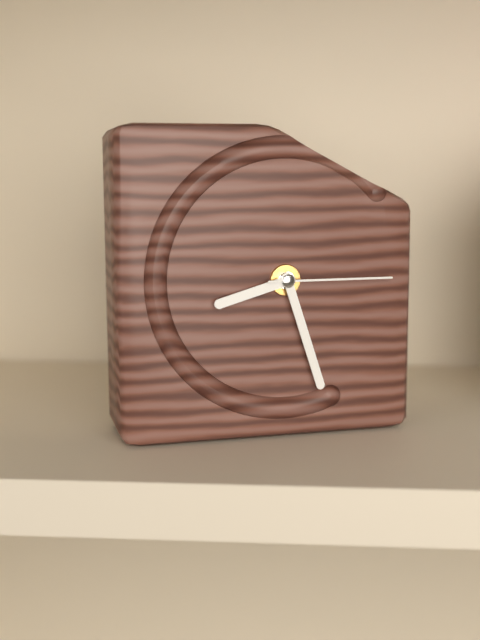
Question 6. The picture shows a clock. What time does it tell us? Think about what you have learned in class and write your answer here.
8:27:15
